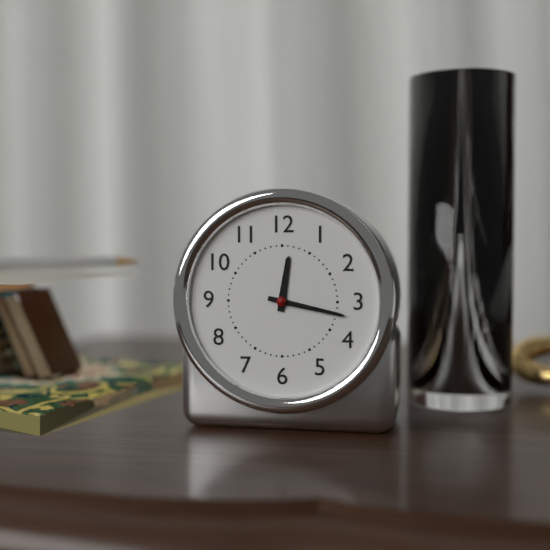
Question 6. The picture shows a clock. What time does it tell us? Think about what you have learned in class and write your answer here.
12:17
